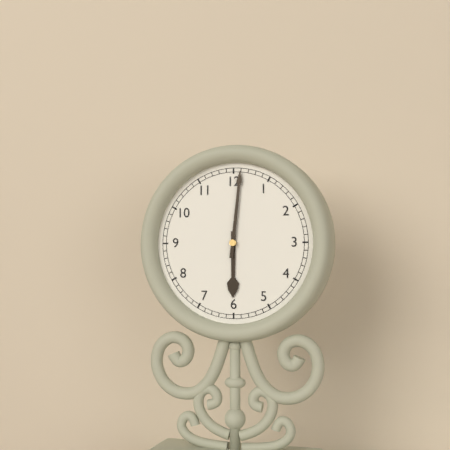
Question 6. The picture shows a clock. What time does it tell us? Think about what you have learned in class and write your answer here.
6:01
